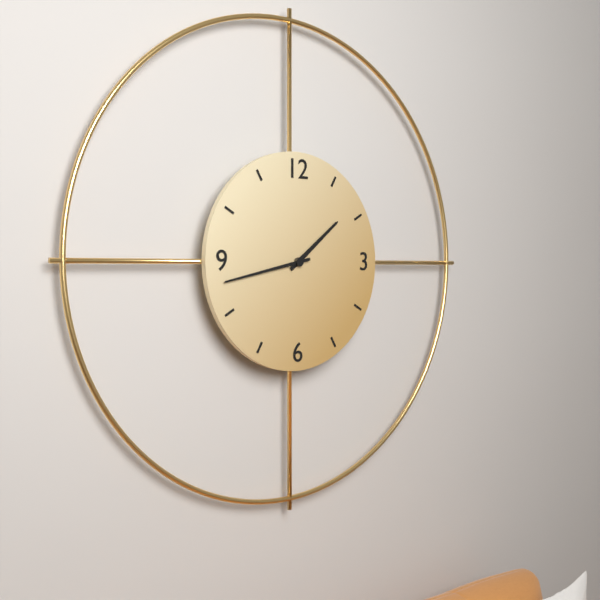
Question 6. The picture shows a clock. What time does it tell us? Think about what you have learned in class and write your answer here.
1:43
